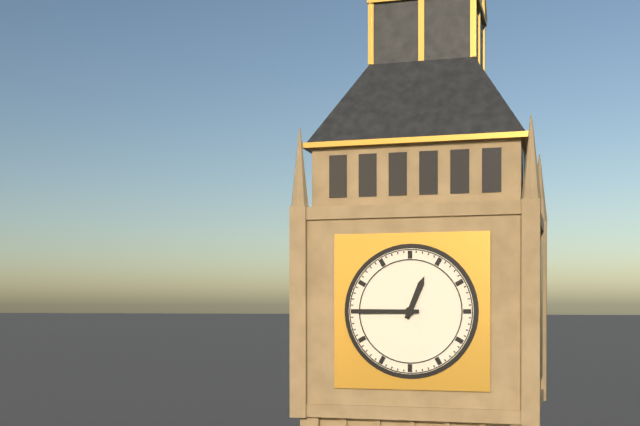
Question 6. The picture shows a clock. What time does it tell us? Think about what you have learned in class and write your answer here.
12:45
